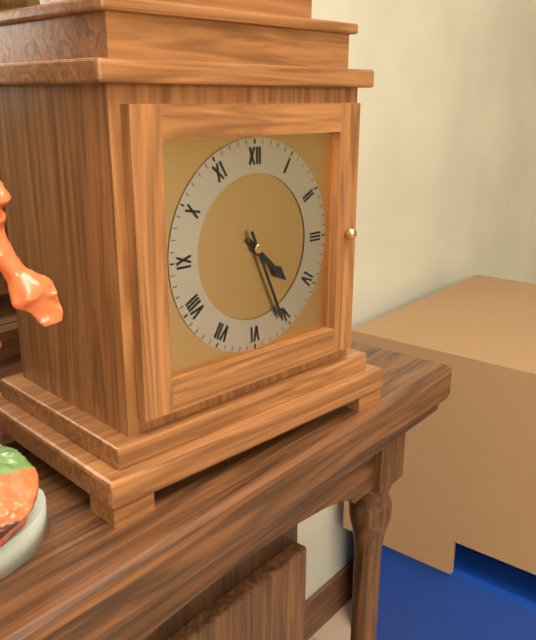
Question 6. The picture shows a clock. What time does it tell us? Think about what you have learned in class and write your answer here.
4:26
